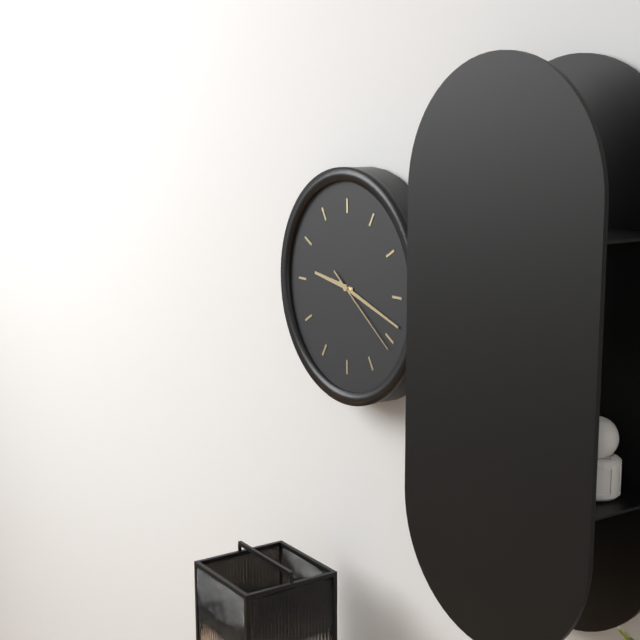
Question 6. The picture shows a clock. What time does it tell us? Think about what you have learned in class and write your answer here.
9:18:21
